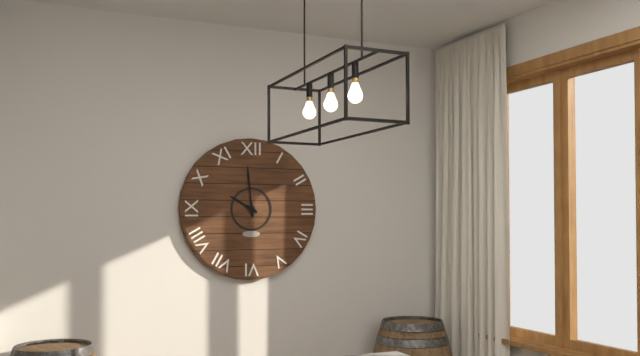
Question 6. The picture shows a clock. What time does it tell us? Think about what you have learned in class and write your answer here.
9:59
